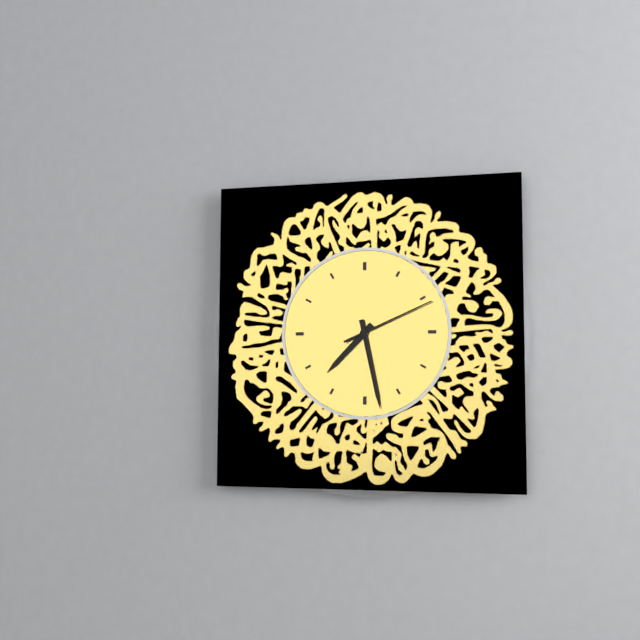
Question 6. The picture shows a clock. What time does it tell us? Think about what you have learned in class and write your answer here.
7:28:11
